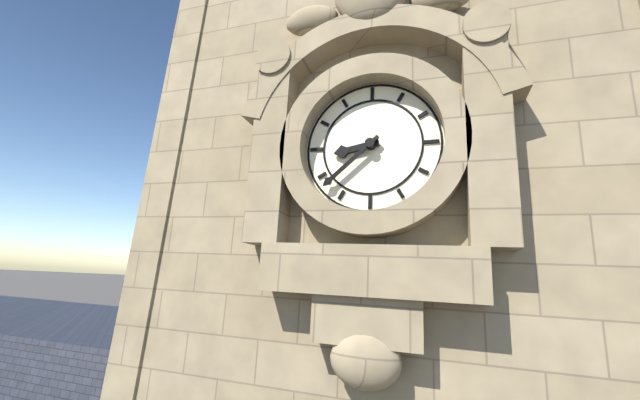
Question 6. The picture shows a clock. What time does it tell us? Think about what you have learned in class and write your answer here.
8:38
